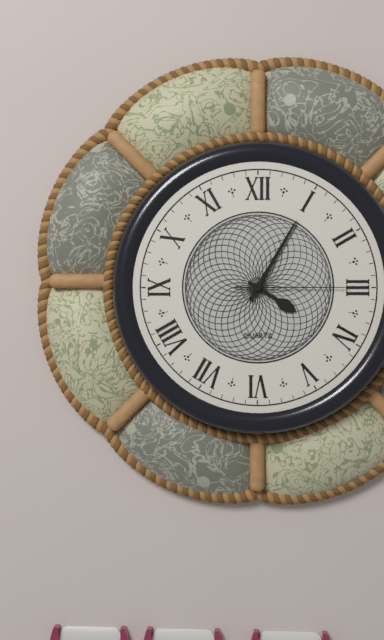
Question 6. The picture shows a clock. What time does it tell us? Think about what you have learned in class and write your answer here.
4:05:15
